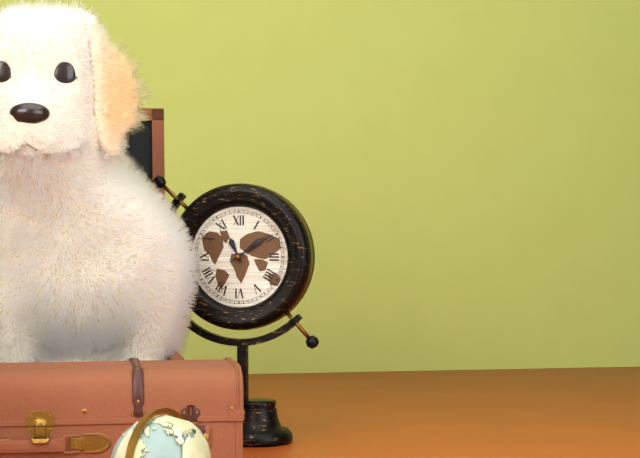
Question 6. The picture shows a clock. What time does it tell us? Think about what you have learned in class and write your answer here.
11:09
